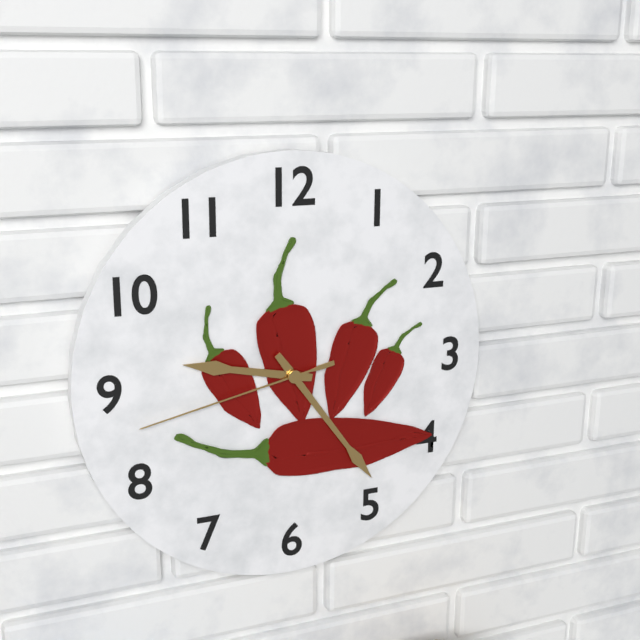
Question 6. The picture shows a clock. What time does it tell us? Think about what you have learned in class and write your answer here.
9:24:43
